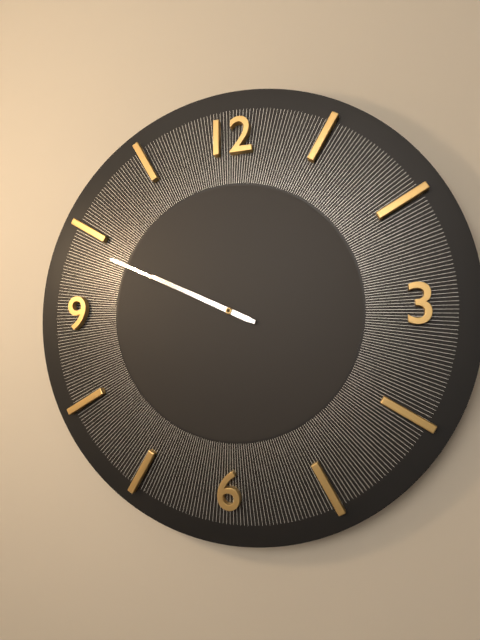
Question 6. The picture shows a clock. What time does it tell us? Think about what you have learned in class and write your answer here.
9:49
